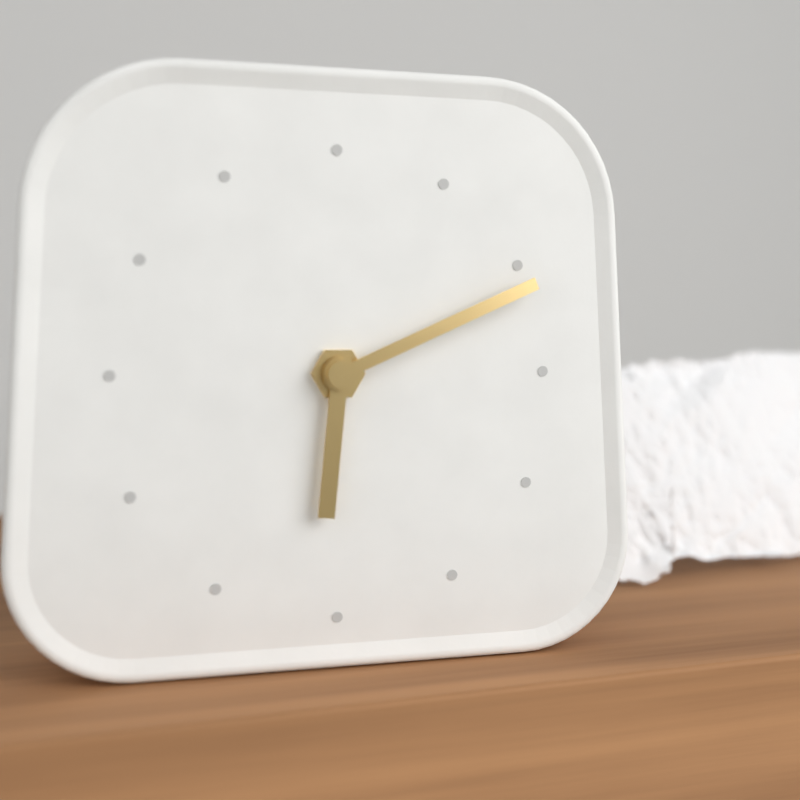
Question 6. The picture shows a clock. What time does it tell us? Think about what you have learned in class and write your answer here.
6:11
